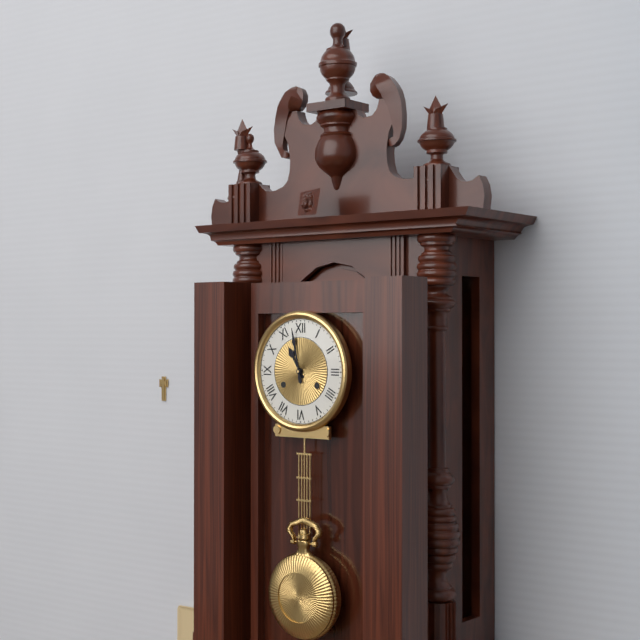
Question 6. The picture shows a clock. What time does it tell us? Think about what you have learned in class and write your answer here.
10:58
